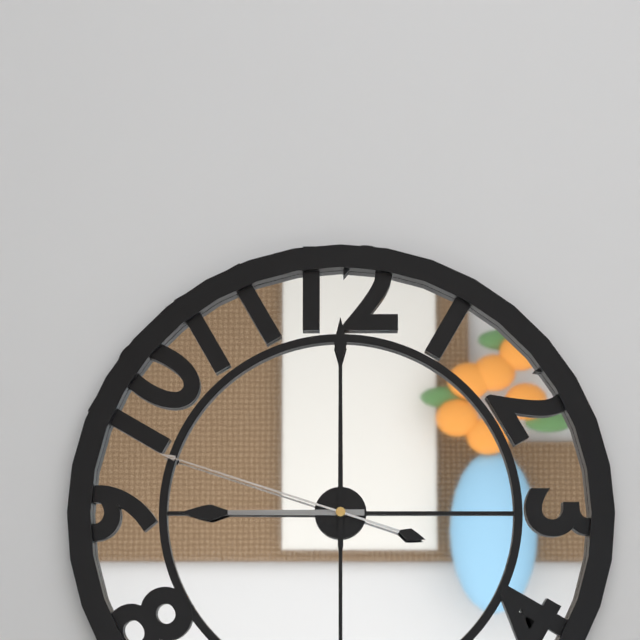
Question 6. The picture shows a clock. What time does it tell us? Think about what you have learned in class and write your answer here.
9:00:48
